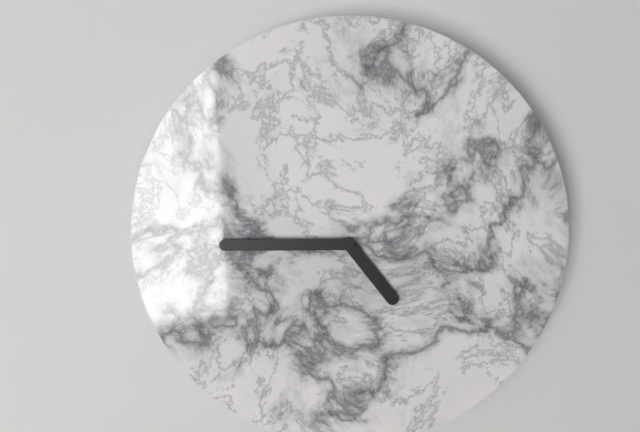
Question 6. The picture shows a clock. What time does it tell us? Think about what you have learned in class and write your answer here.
4:45
